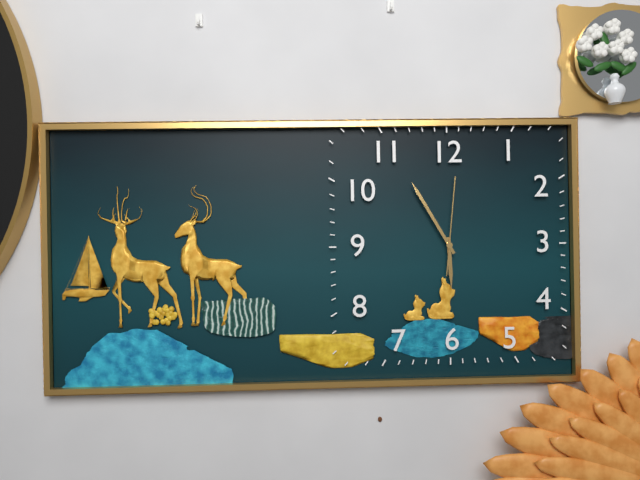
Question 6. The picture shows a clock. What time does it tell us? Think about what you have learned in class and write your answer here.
5:55:01
